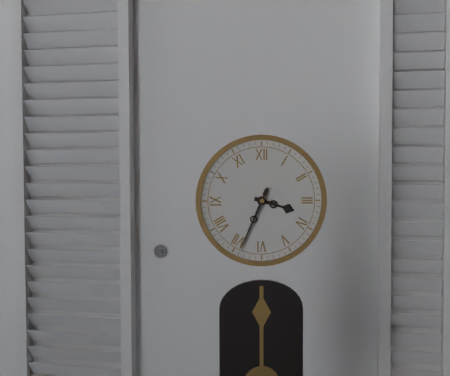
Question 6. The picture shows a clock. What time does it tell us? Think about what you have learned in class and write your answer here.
3:34
